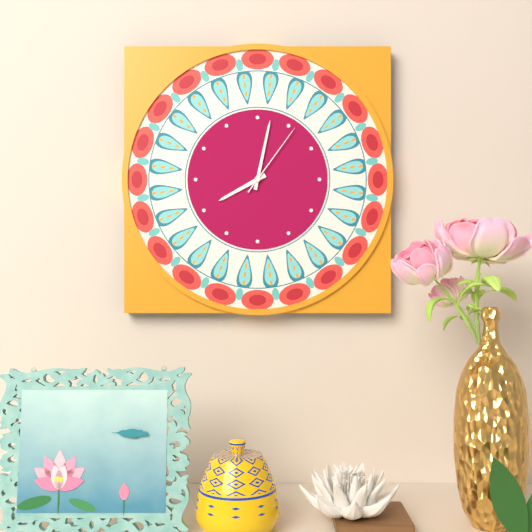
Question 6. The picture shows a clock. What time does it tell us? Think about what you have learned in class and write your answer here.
8:02:06
